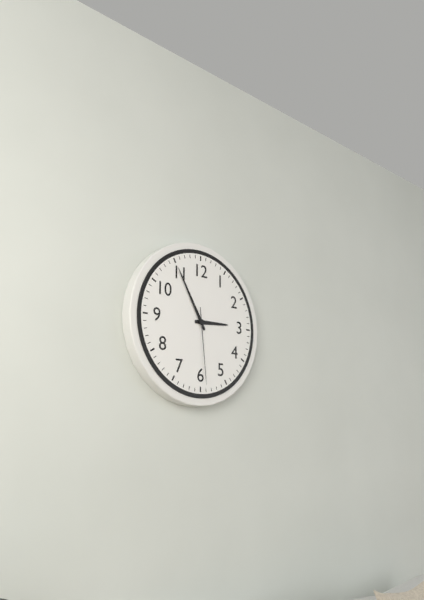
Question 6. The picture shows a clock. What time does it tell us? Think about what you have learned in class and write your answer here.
2:55:29
